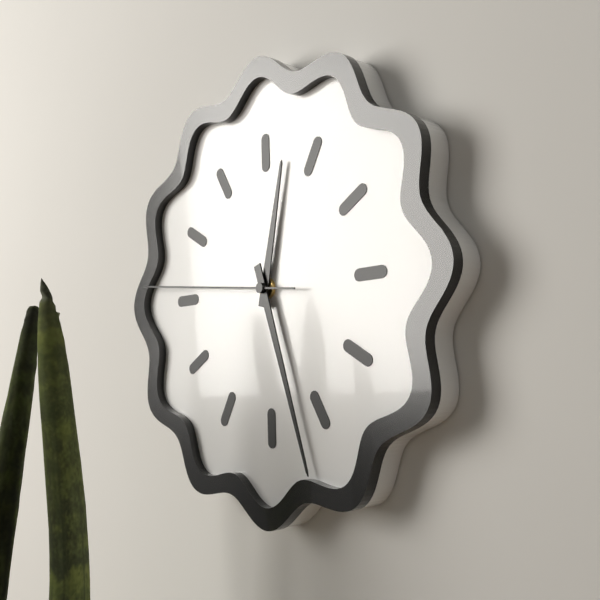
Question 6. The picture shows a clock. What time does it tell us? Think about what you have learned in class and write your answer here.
12:27:46
